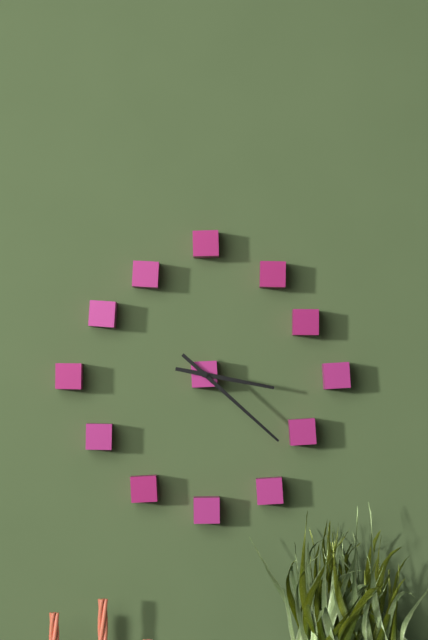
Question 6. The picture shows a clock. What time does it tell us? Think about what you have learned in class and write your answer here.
3:22
